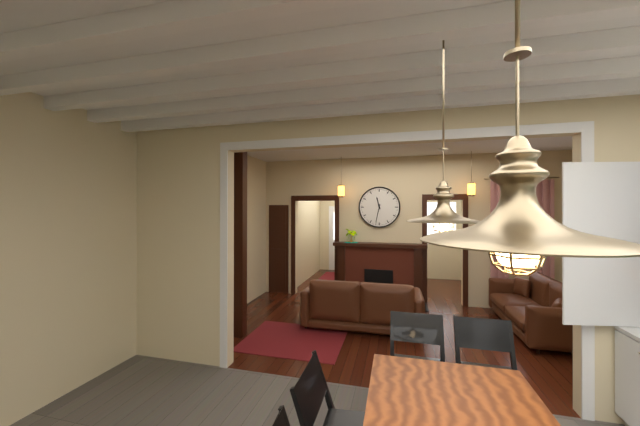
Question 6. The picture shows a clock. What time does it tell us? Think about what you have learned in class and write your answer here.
11:32
